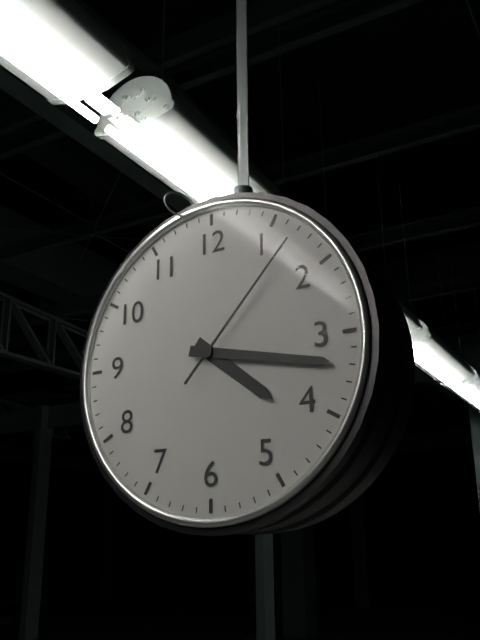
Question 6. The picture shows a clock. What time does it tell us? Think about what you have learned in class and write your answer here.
4:17:07
